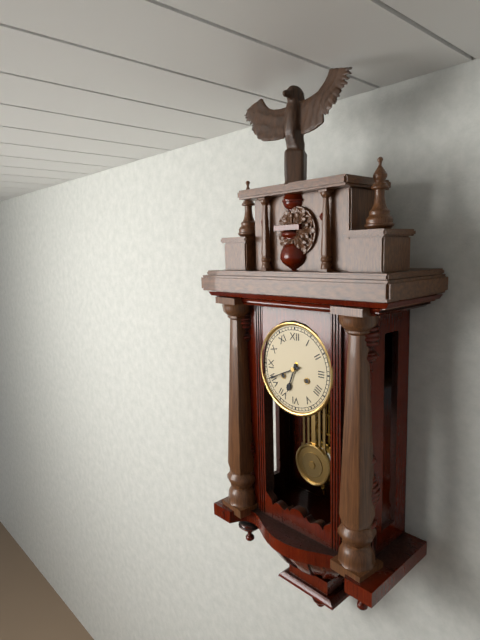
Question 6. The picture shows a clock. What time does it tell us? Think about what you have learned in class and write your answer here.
6:41
